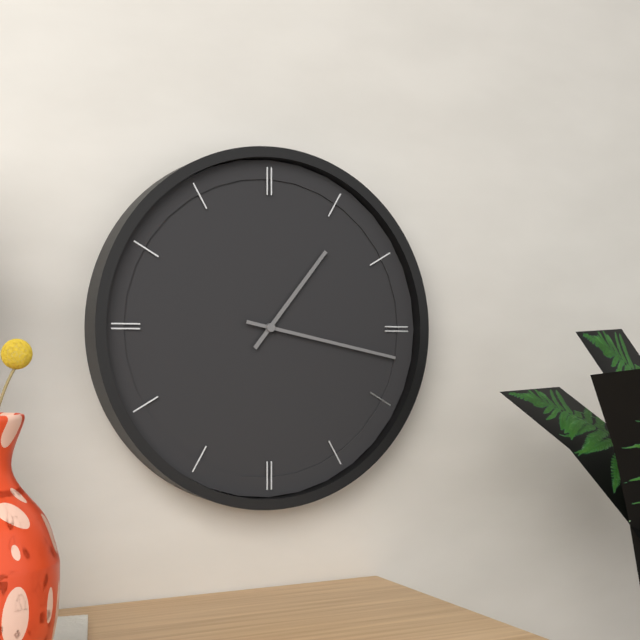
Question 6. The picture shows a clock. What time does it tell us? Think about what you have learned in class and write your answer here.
1:17
